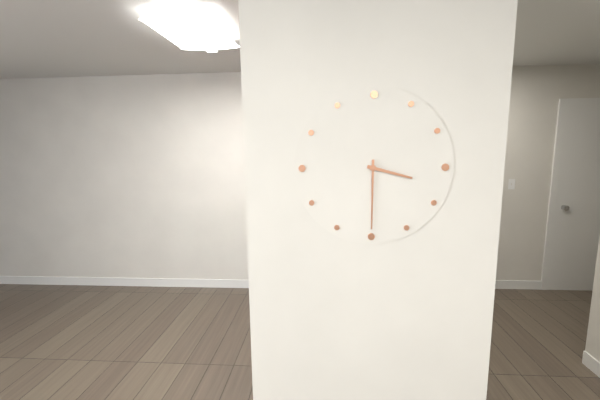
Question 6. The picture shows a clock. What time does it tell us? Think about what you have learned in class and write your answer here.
3:30
